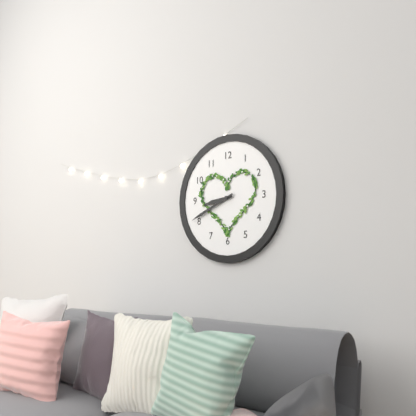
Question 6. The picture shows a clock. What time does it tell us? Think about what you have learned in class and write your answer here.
8:41
